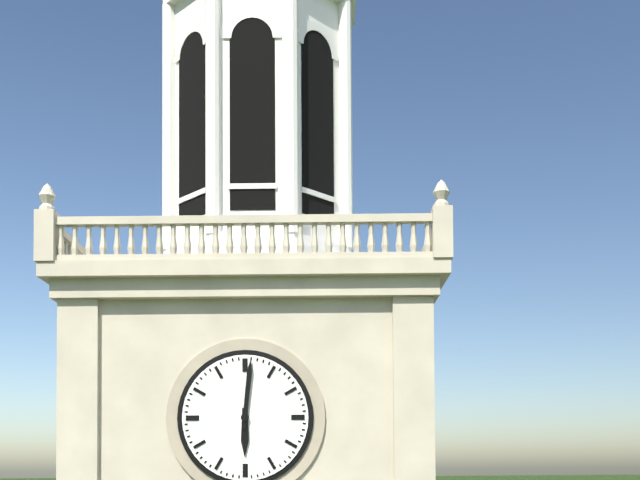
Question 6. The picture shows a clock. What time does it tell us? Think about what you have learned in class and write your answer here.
6:01
